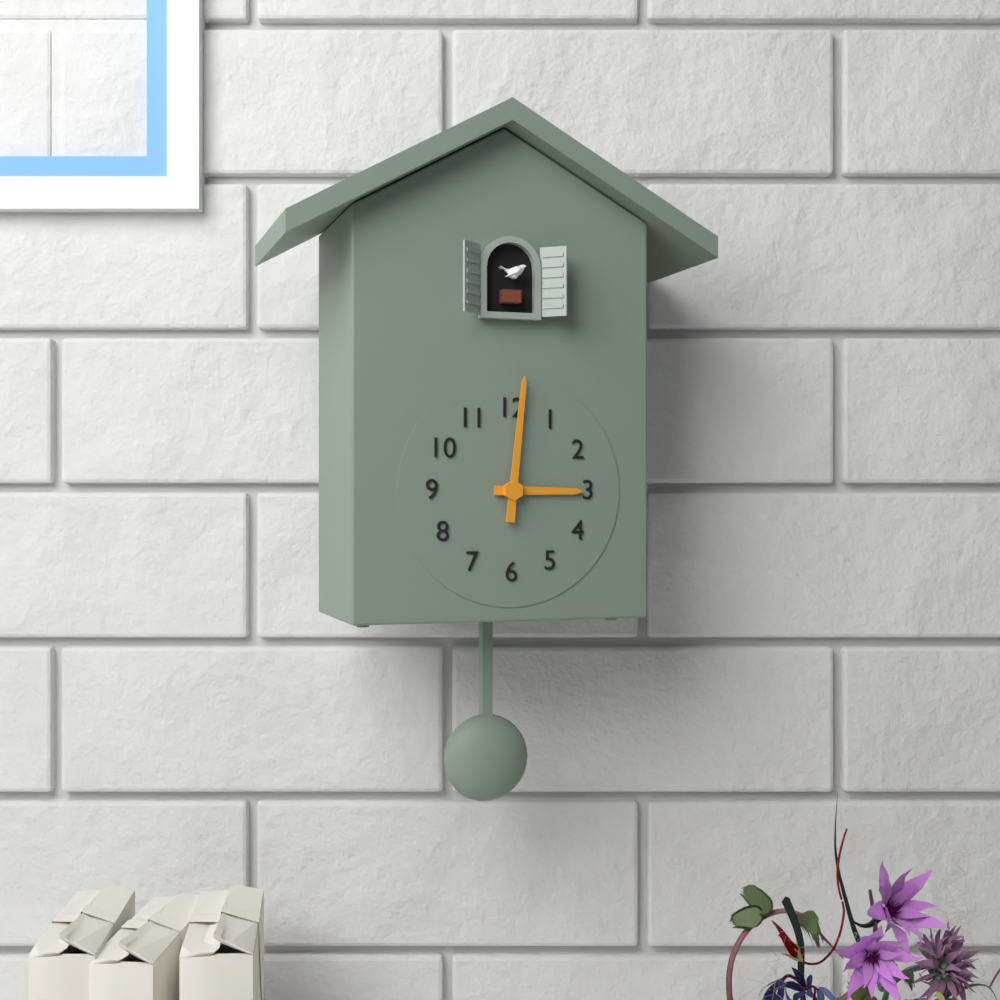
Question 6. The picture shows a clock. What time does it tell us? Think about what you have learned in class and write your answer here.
3:01
